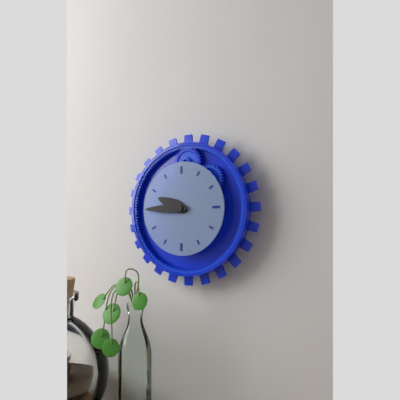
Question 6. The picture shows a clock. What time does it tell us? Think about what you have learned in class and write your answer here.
9:45
